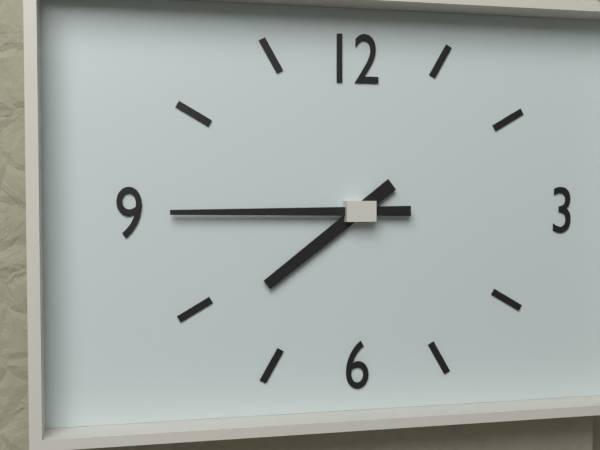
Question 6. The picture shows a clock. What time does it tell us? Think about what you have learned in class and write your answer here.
7:45
